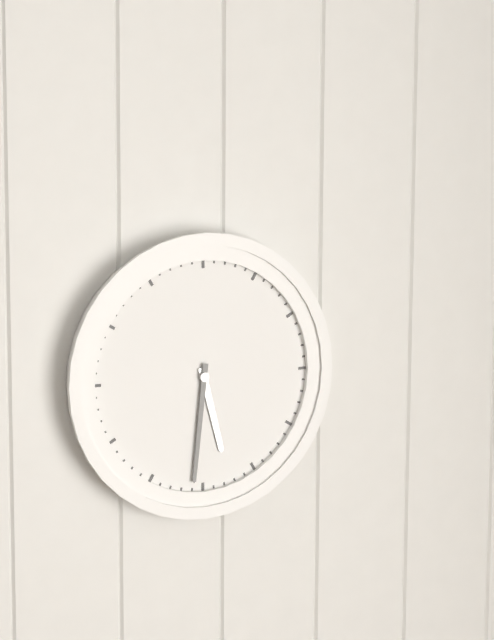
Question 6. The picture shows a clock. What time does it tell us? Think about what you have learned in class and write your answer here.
5:31
